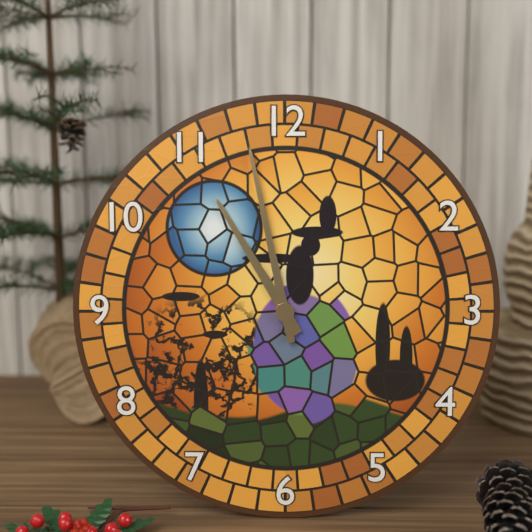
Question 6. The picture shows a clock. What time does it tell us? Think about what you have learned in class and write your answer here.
10:58
